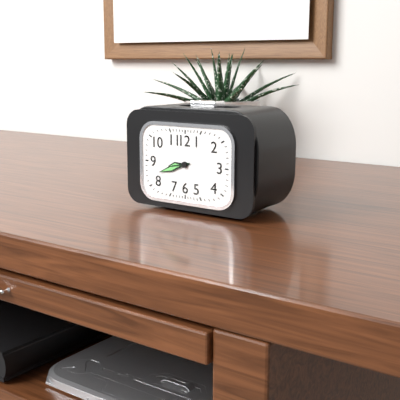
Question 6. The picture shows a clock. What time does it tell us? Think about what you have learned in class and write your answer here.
8:42
